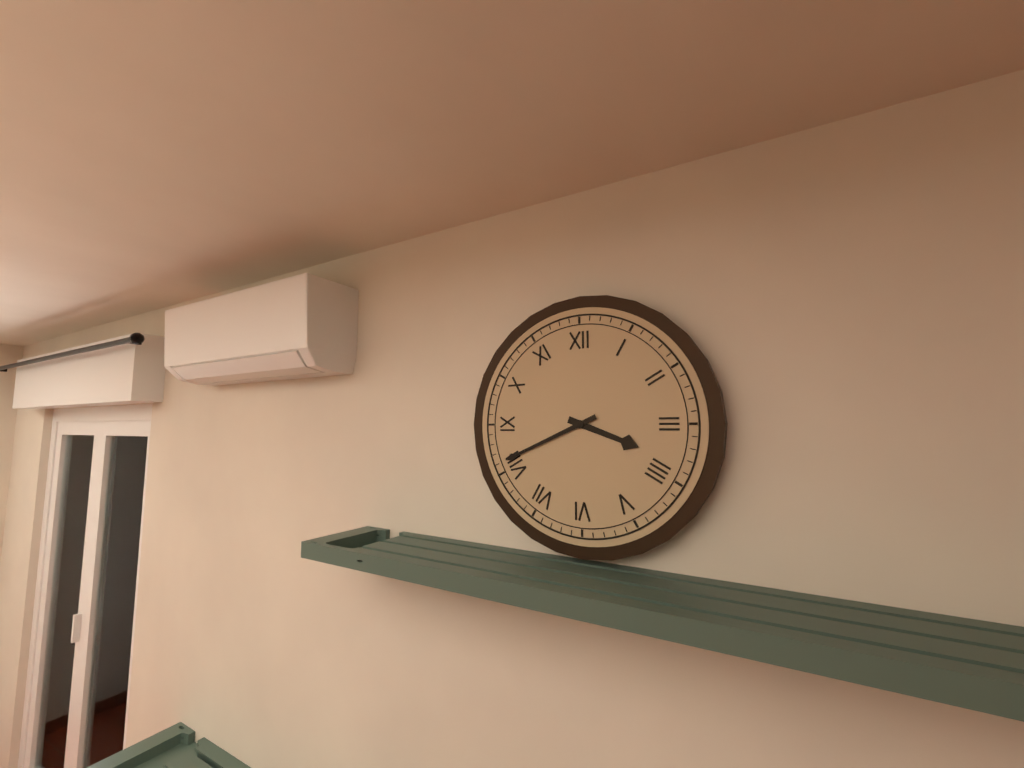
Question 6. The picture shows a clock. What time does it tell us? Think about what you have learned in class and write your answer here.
3:41
